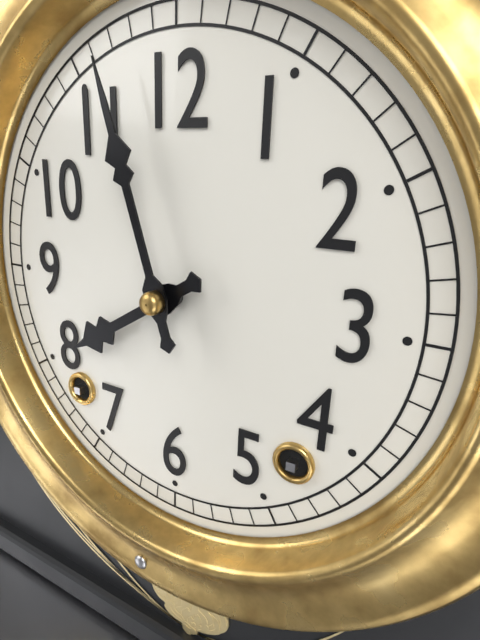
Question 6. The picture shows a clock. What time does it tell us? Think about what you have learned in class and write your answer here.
7:57
